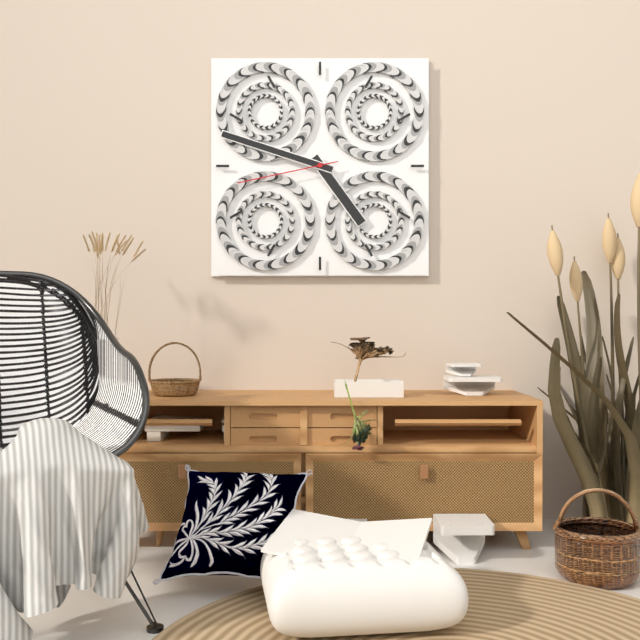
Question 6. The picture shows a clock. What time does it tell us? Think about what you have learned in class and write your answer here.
4:48:43
